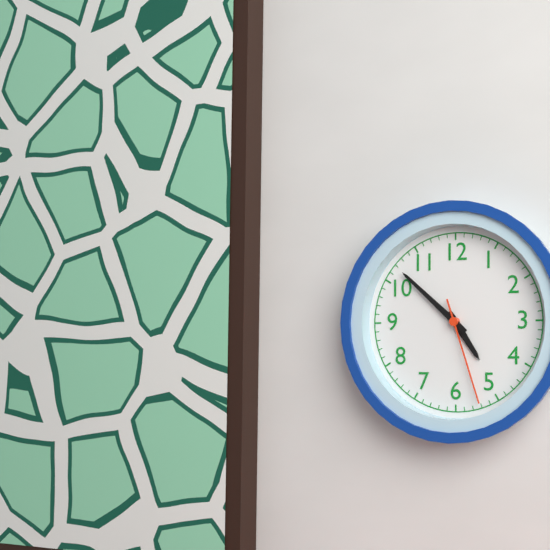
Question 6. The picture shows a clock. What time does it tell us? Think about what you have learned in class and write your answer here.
4:52:27
